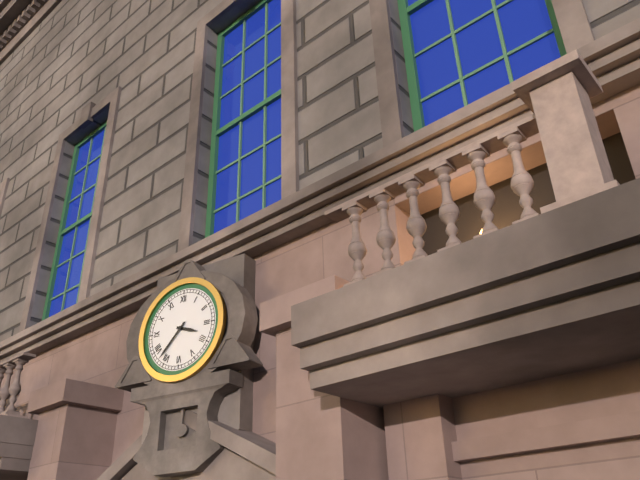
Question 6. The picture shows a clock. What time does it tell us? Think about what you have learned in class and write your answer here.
3:37
